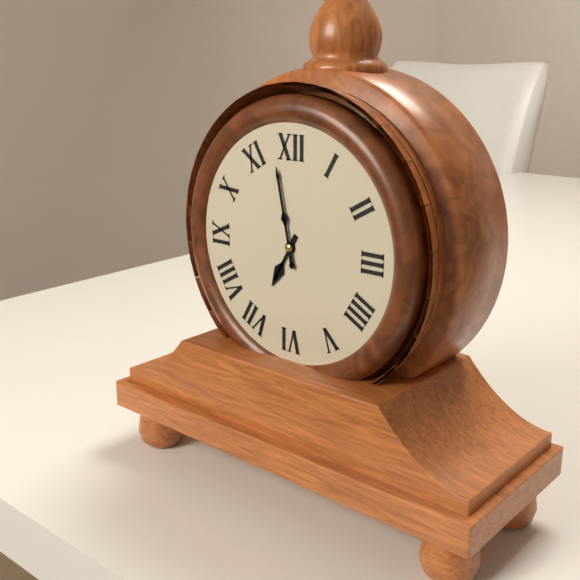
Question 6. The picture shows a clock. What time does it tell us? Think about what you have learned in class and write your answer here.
6:58
